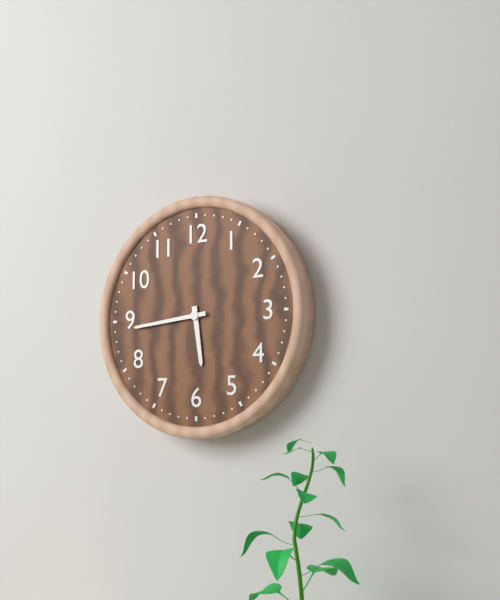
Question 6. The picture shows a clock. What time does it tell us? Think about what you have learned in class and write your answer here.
5:44
